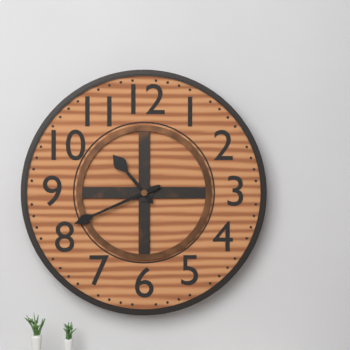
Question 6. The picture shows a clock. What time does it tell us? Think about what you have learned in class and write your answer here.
10:41
